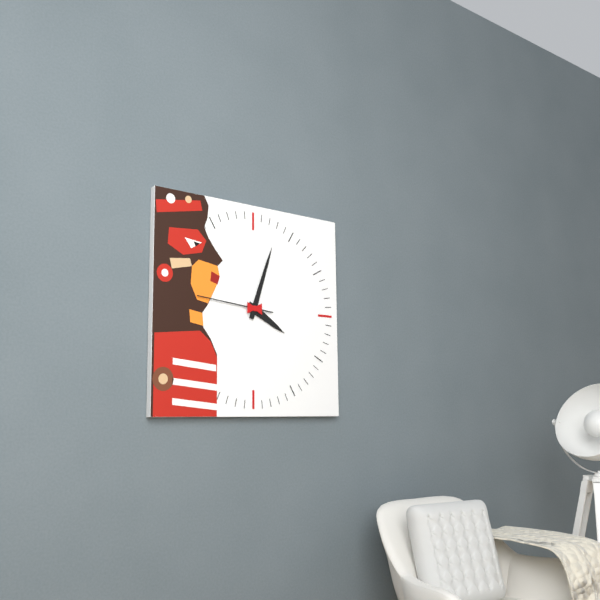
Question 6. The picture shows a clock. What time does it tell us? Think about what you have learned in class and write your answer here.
4:03:46
